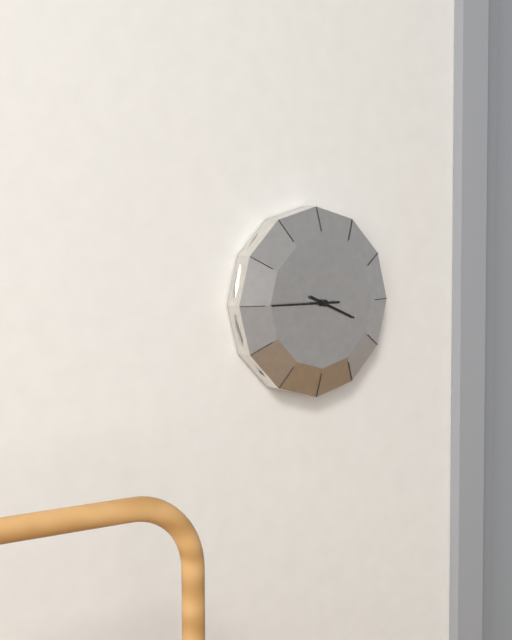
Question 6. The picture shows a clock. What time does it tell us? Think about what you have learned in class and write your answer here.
3:45
